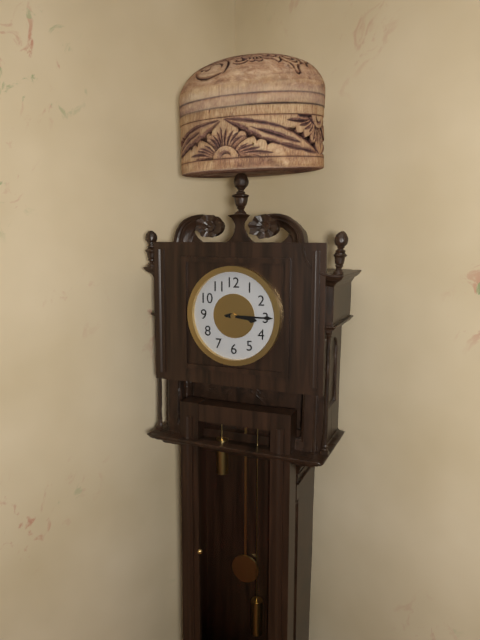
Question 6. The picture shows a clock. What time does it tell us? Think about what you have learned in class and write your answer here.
3:15
